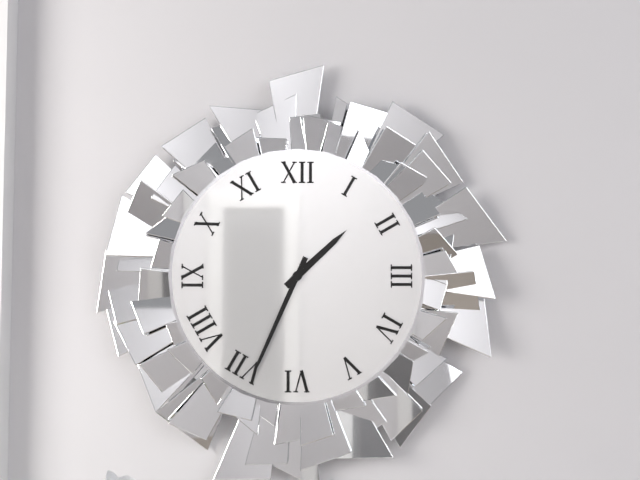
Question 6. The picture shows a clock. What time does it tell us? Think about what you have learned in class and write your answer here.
1:34
